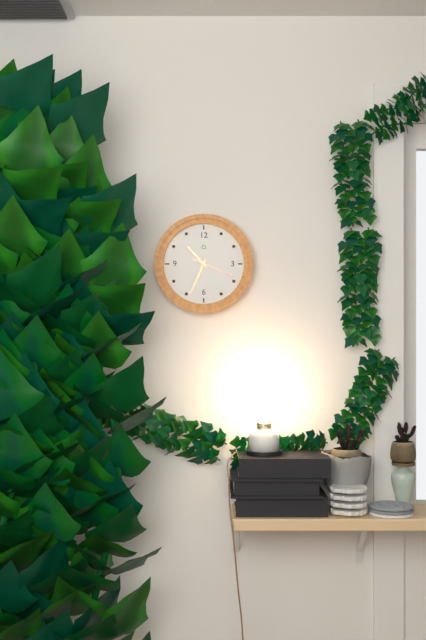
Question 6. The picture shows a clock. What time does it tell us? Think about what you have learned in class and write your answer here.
10:34
